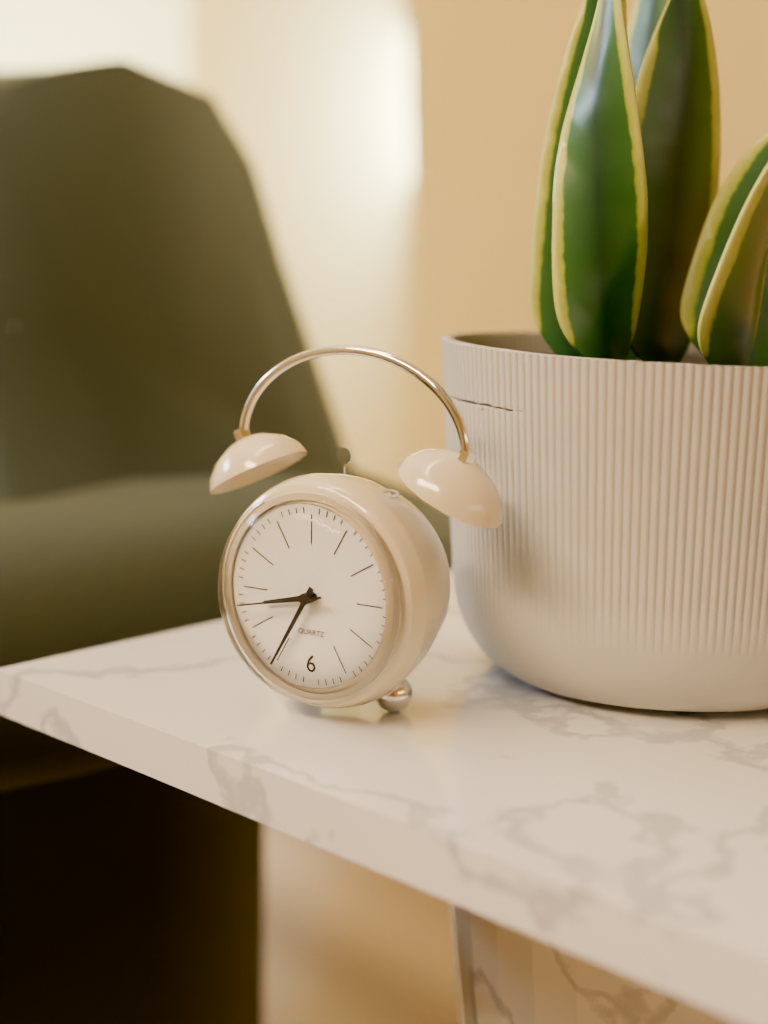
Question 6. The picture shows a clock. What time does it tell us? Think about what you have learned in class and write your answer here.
8:35:43
